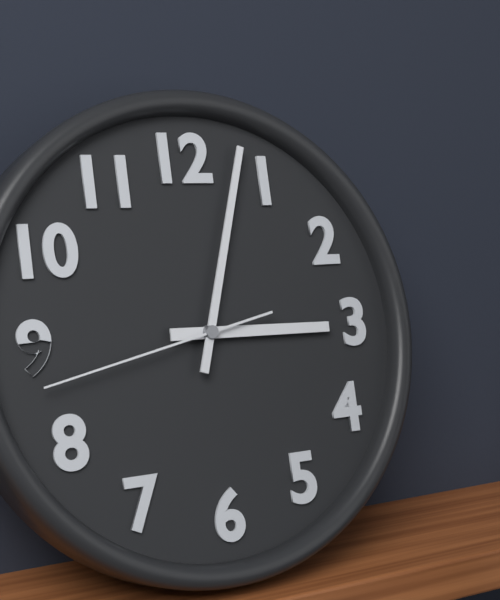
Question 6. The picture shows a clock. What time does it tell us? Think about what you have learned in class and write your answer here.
3:03:43
